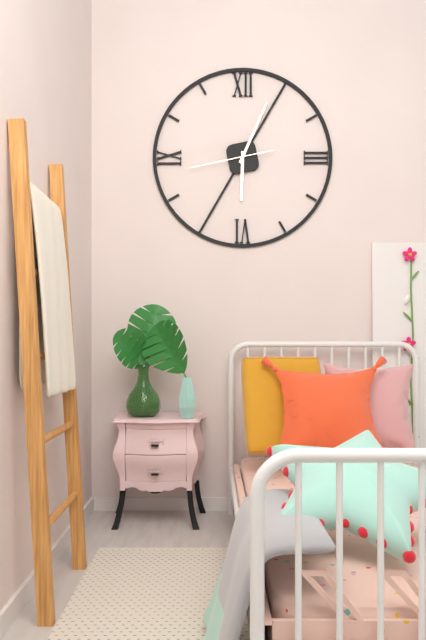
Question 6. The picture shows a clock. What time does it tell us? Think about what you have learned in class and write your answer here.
6:04:43
